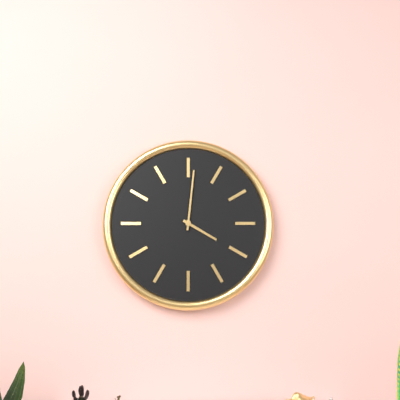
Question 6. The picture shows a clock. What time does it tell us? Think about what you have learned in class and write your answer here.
4:01
